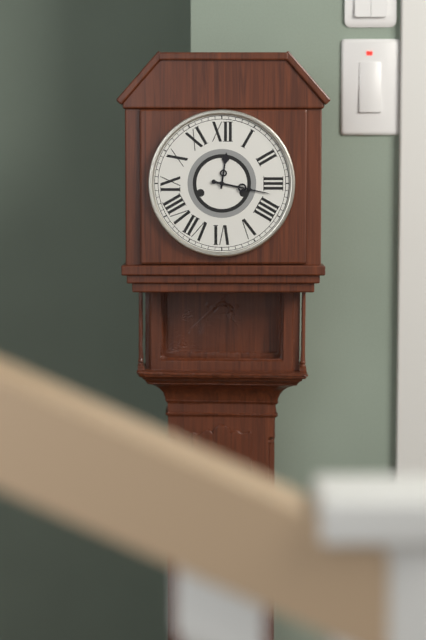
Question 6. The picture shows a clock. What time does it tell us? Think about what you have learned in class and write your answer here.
12:17
